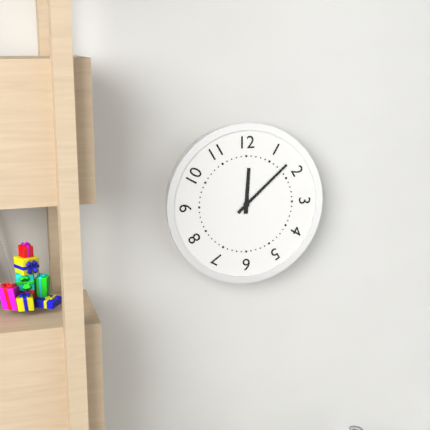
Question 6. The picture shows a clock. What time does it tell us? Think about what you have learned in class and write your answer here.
12:08
